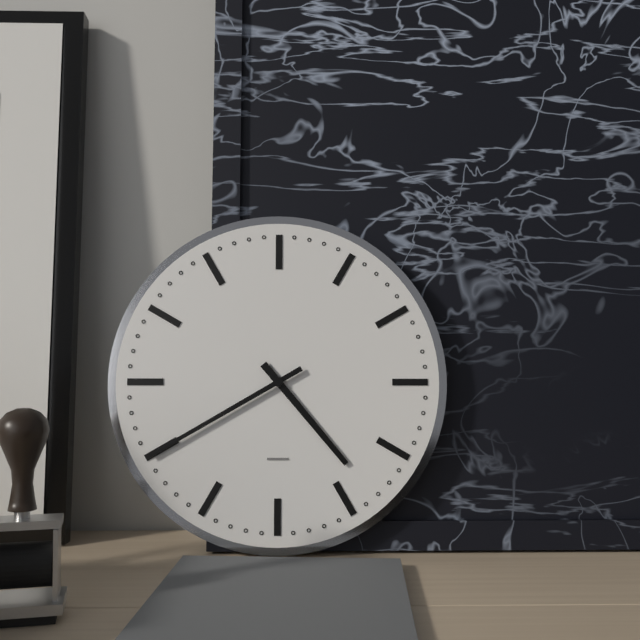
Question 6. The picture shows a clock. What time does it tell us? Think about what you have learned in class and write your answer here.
4:40
